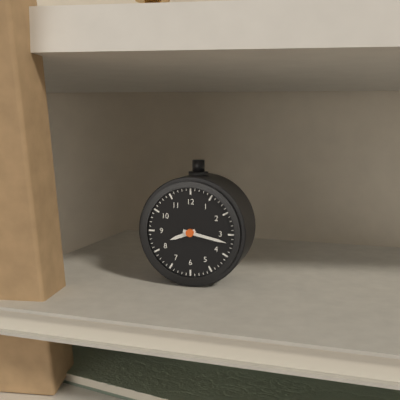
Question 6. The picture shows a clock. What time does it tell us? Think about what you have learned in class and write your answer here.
8:17
